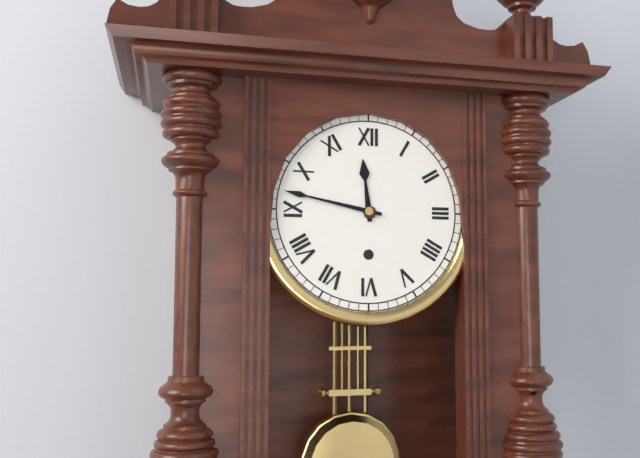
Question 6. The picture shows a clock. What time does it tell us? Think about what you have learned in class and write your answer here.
11:47
